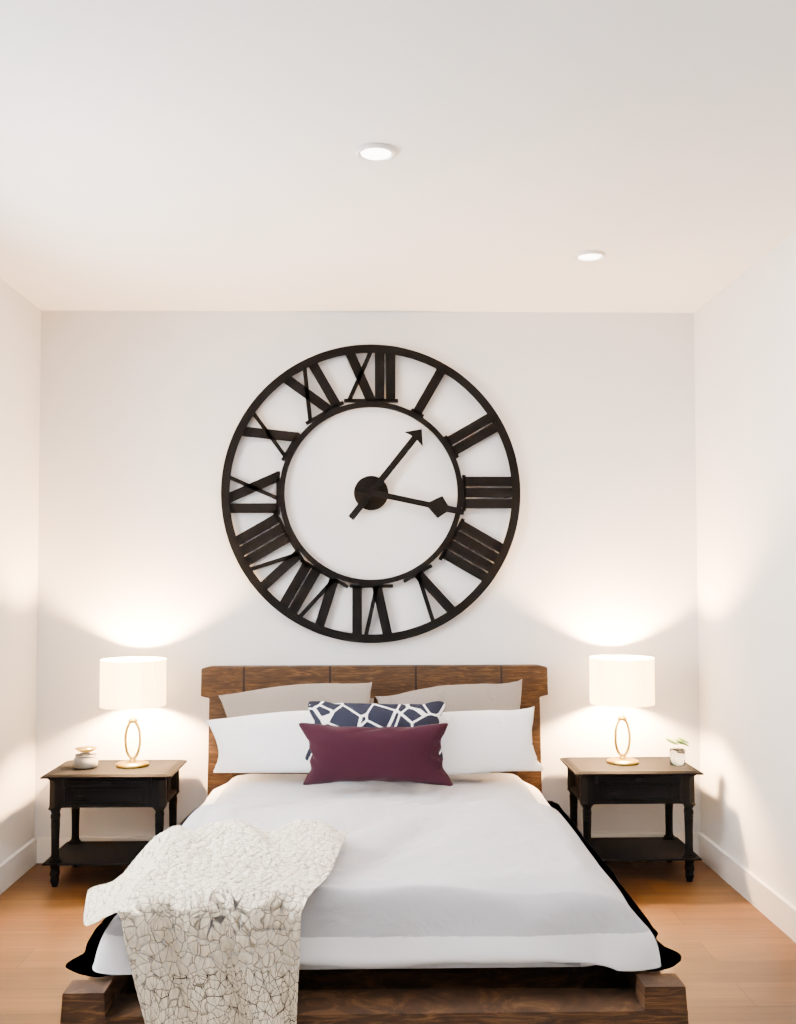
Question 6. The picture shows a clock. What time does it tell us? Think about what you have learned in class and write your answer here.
1:17
